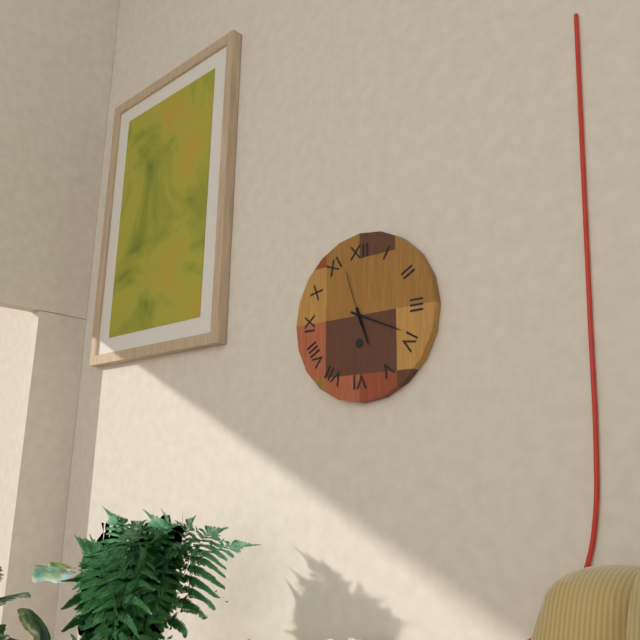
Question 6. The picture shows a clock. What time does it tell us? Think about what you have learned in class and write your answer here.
5:19:57
